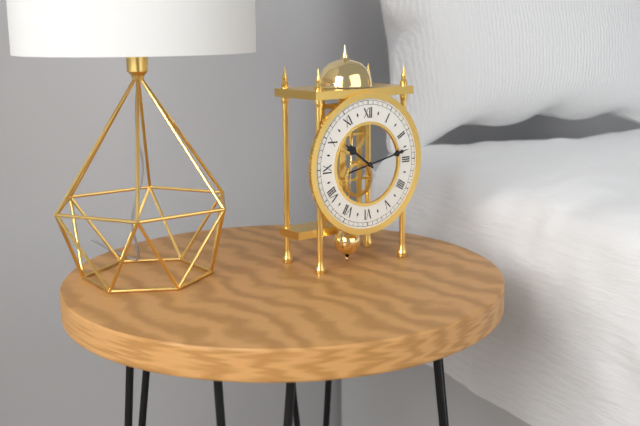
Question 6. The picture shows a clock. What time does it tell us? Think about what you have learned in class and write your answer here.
10:13
